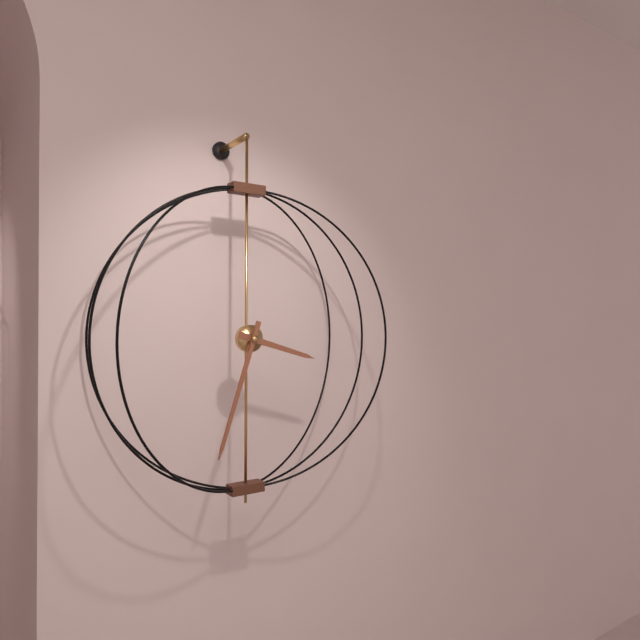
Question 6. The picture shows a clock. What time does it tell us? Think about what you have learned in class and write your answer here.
3:33
